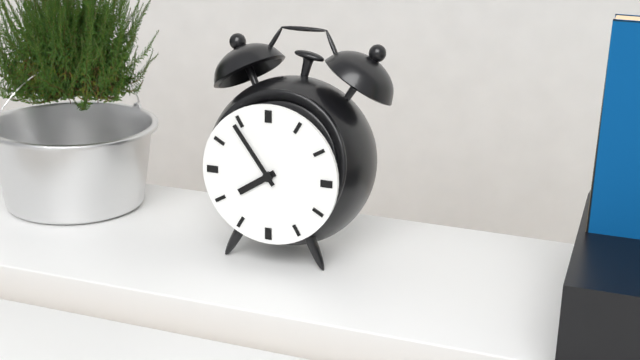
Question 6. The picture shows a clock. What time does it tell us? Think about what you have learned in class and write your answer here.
7:54
